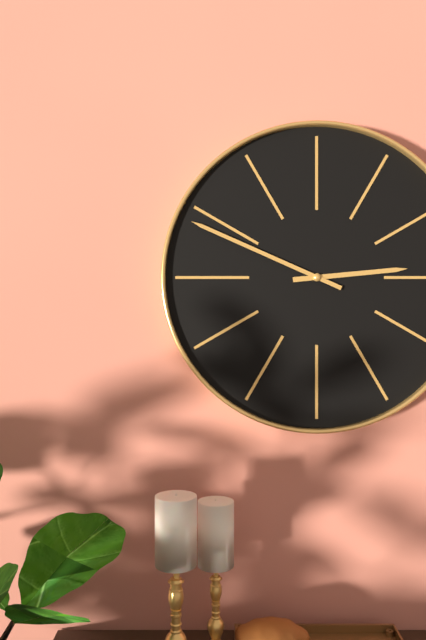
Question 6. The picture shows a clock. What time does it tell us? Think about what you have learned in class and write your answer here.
2:49
